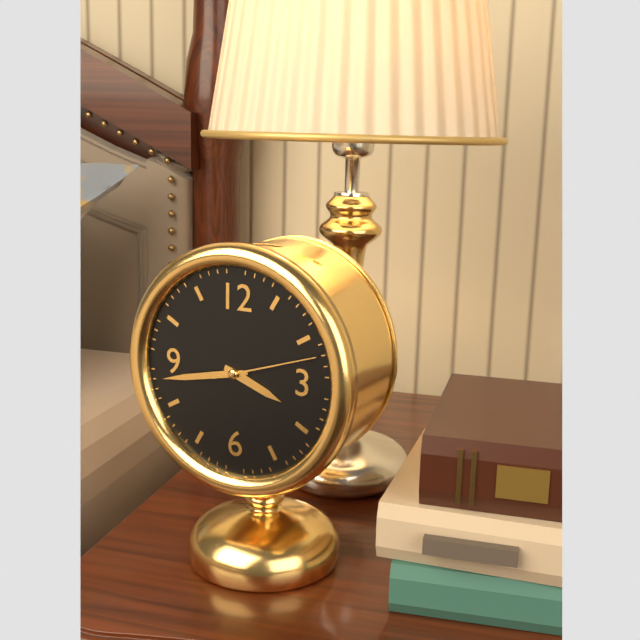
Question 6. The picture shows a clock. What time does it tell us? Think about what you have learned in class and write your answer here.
3:43:12
